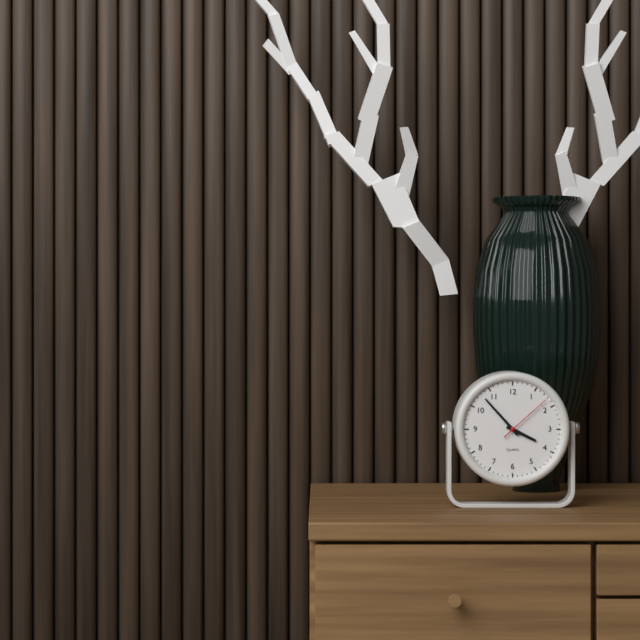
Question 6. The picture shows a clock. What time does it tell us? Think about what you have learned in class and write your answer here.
3:53:08
